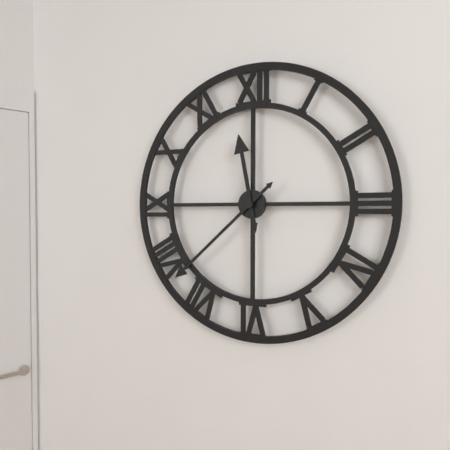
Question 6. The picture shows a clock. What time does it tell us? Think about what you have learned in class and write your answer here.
11:38
